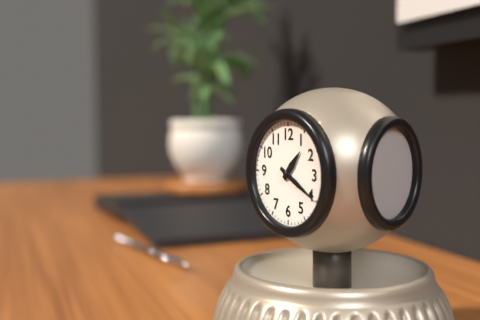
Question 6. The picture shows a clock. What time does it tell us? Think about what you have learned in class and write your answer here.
1:20
